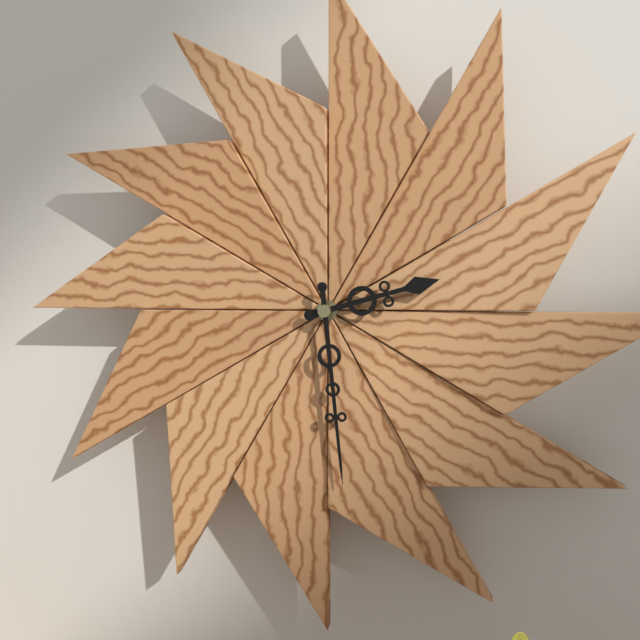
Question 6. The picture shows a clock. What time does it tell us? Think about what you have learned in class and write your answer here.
2:29
